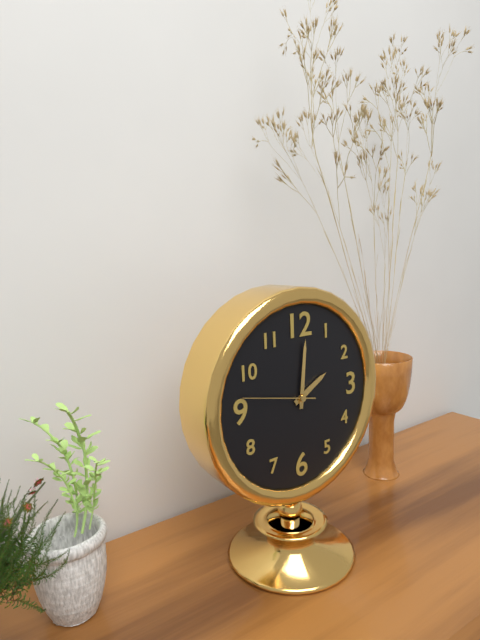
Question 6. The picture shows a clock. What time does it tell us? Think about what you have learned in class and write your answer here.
2:01:47
